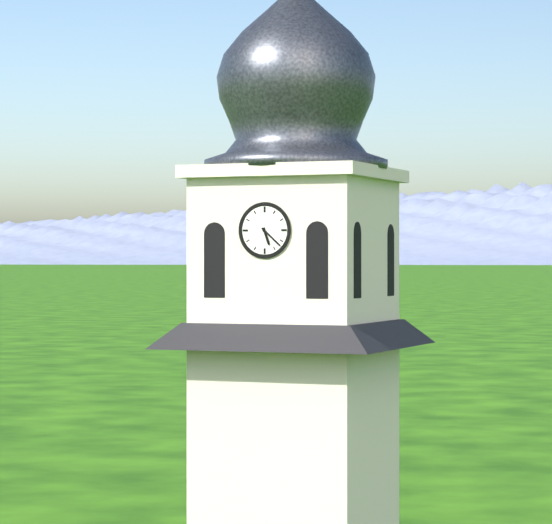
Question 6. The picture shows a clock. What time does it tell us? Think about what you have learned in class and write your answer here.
5:22
